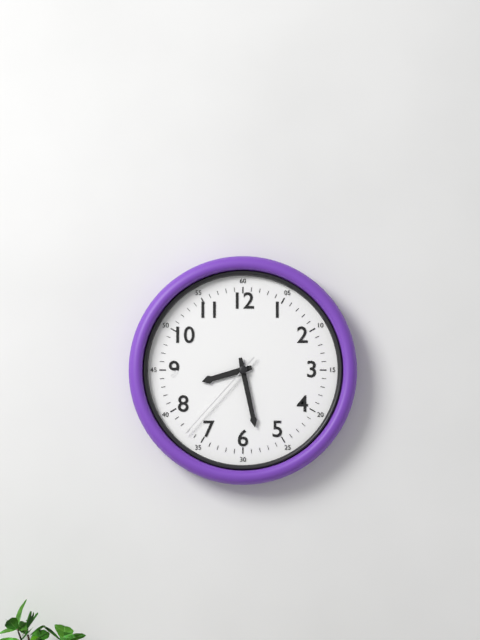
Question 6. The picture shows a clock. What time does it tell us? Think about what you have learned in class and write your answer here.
8:28:37
